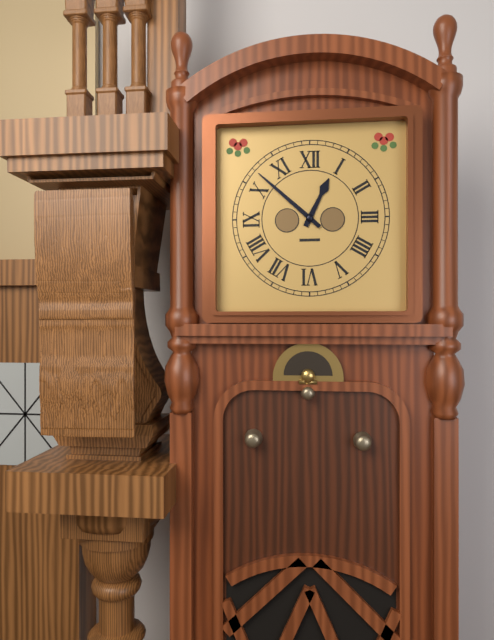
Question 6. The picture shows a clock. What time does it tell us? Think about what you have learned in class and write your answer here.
12:52
